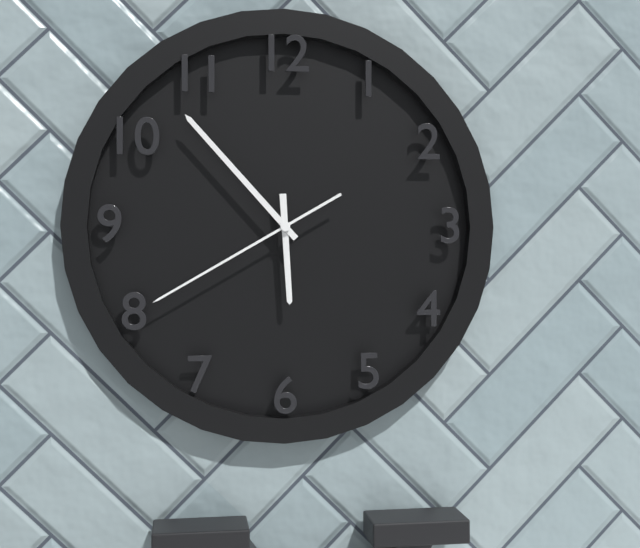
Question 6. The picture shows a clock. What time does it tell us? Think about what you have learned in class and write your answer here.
5:53:40
